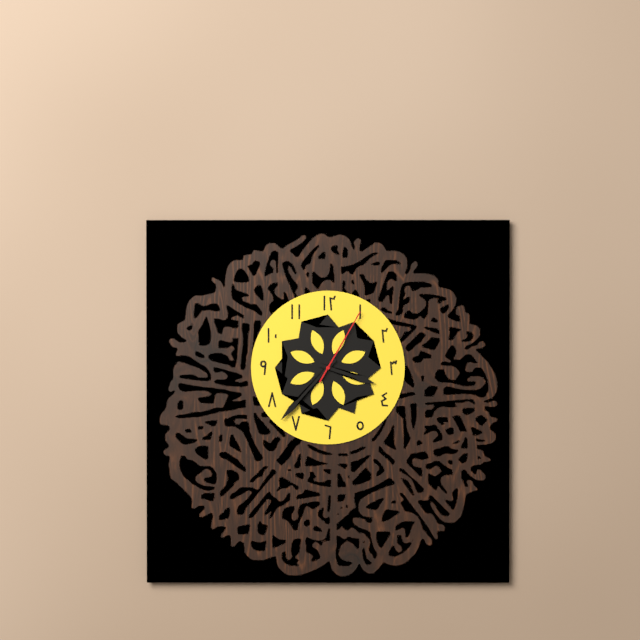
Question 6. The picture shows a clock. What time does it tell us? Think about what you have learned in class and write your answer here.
3:37:05
